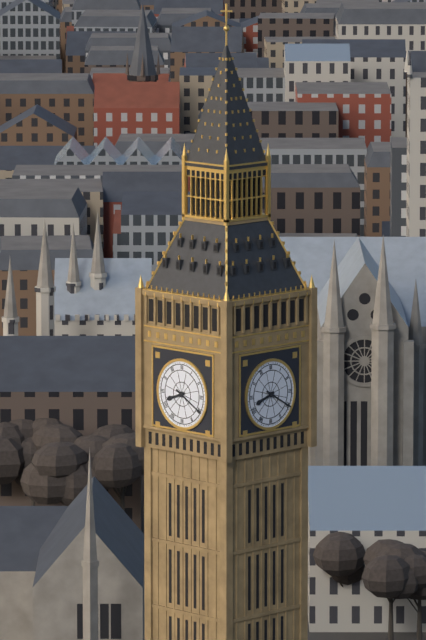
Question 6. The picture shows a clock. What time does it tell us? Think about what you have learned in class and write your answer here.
8:20
